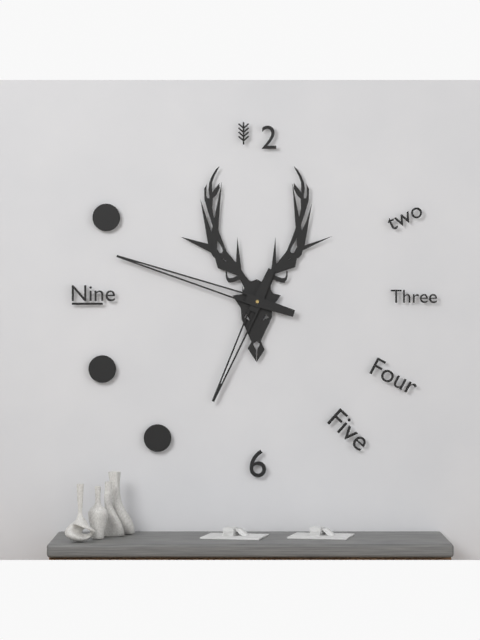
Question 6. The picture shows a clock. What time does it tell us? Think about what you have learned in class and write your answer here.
6:48
